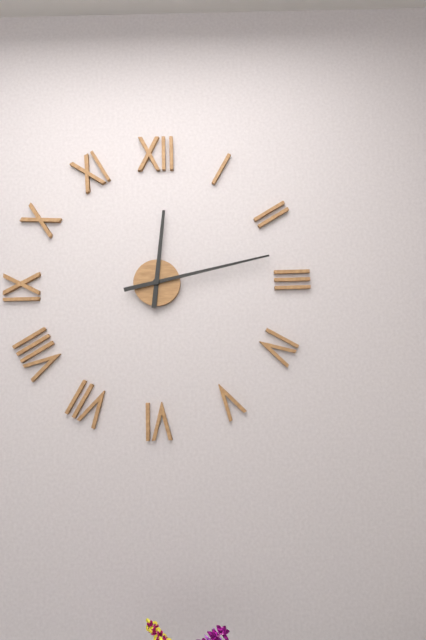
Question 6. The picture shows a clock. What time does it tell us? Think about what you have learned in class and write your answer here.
12:13
